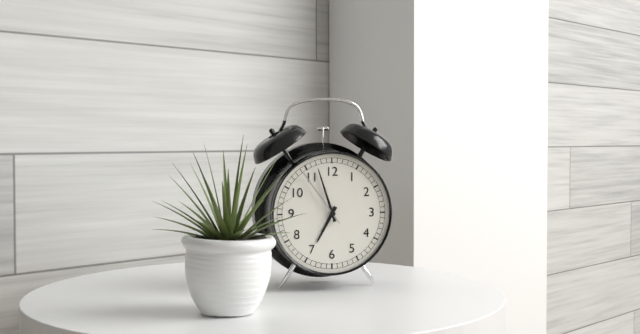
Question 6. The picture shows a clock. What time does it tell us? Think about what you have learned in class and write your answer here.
6:57:54
